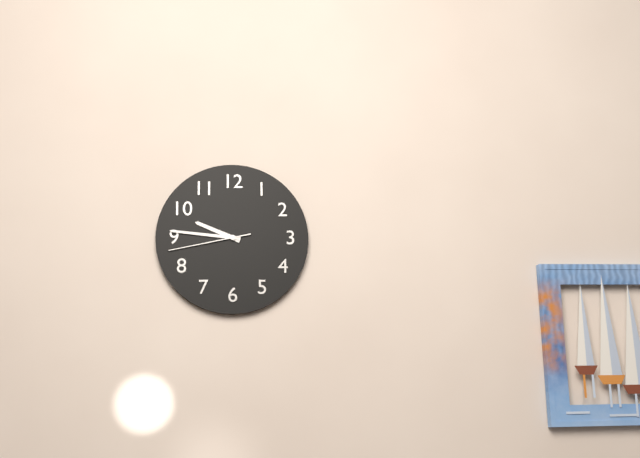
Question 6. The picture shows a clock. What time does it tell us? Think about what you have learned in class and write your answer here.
9:46:43
